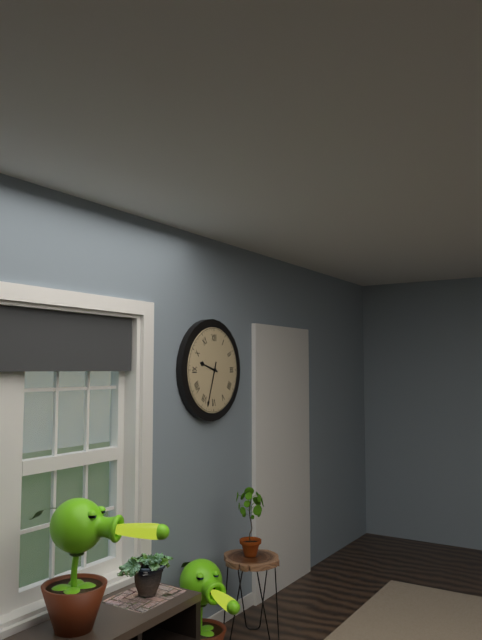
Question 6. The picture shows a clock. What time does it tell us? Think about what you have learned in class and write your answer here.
9:33
